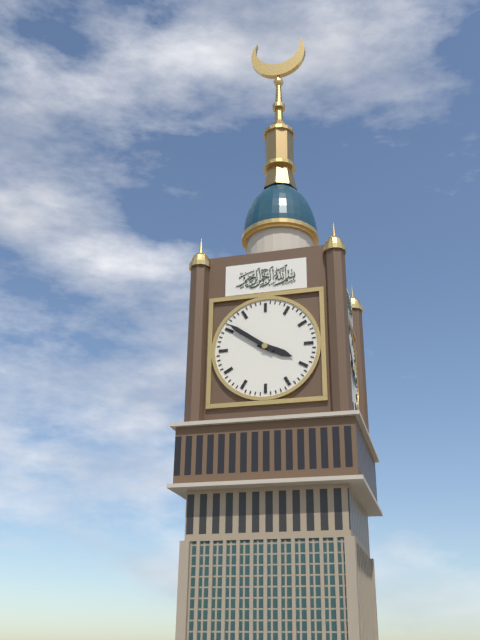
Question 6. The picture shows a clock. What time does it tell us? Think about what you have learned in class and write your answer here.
3:51
